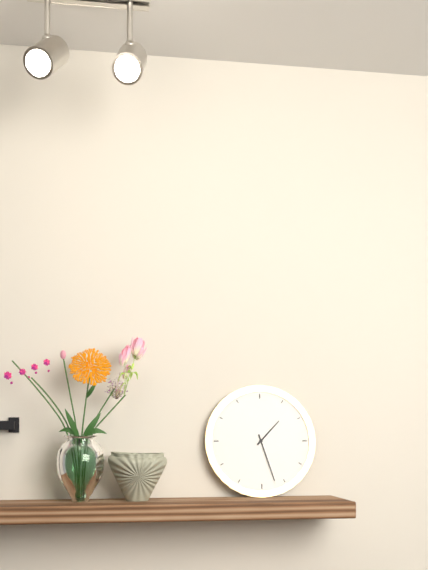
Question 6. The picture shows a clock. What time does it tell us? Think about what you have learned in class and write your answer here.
1:27
